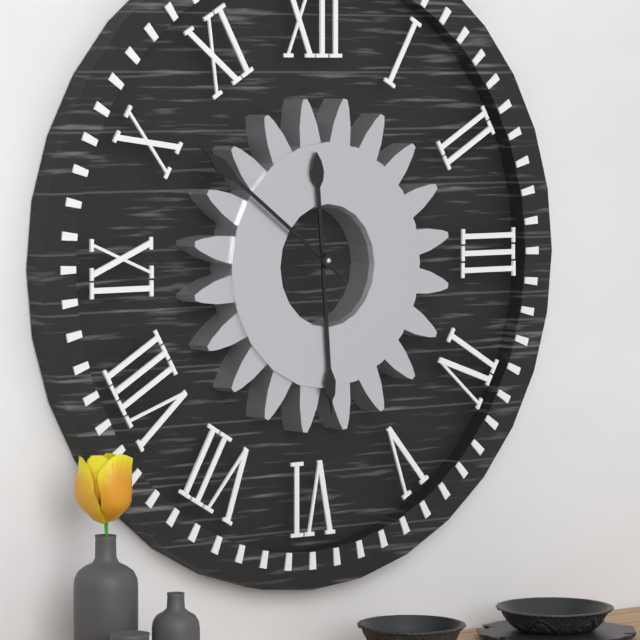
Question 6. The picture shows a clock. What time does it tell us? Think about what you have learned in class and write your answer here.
5:51
